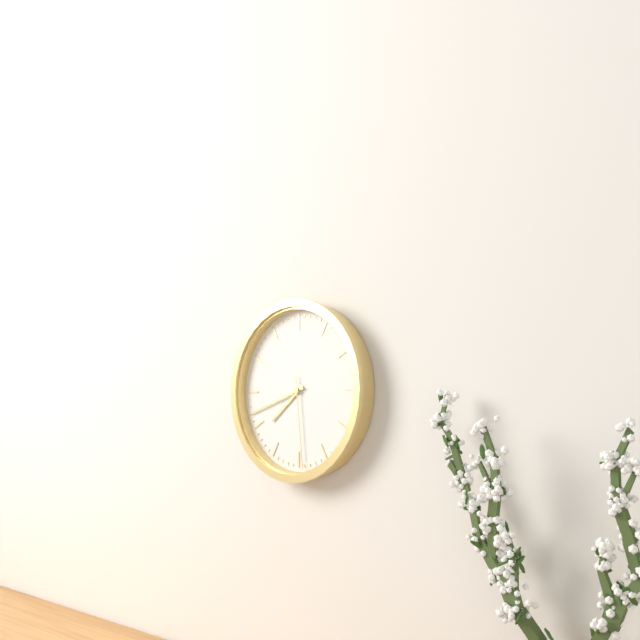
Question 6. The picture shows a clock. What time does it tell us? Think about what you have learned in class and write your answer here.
7:42:29
